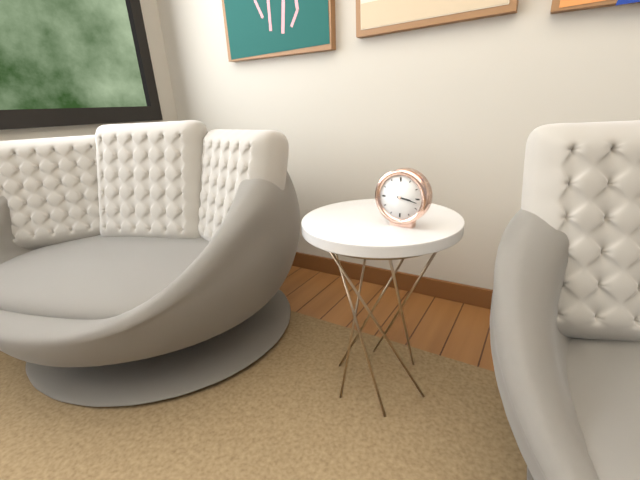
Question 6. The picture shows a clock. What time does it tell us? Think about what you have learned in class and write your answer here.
3:17
